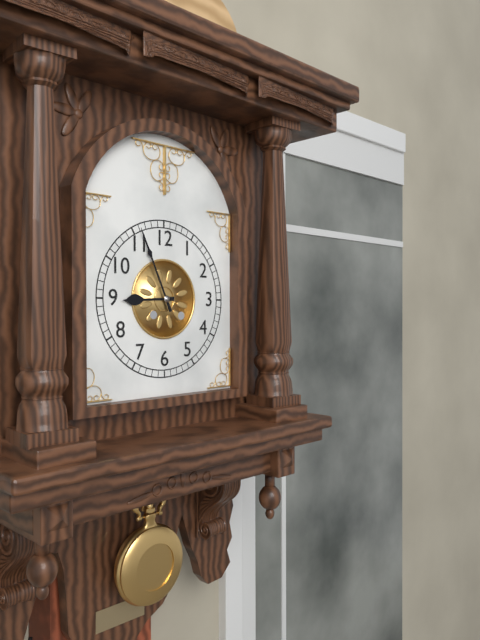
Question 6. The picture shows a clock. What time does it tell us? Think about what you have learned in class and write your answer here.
8:56
